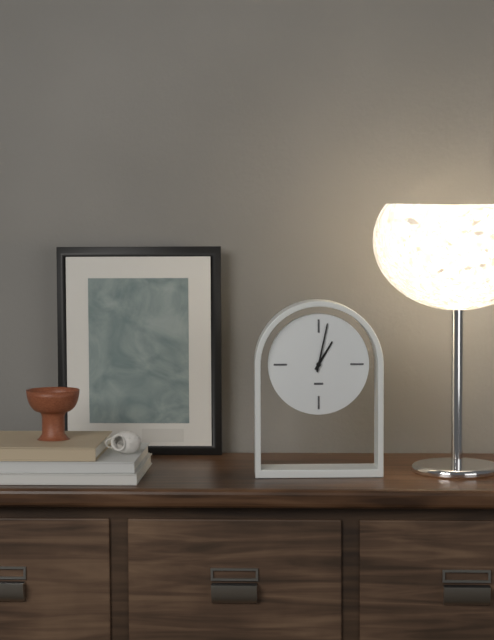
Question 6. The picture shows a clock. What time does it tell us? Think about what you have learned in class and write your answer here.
1:02
